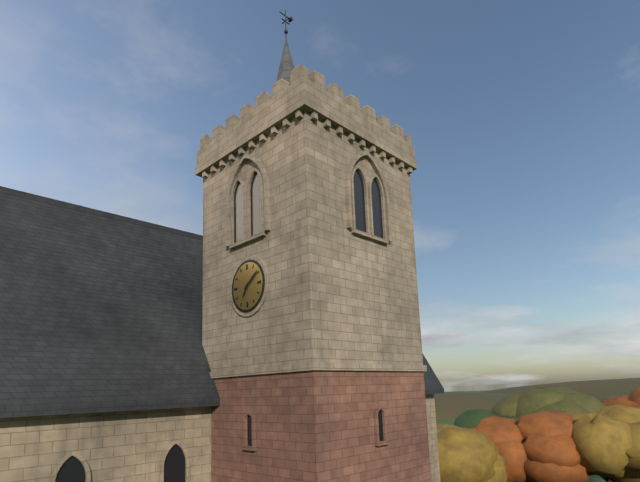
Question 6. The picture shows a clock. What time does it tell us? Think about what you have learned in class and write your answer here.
7:09
